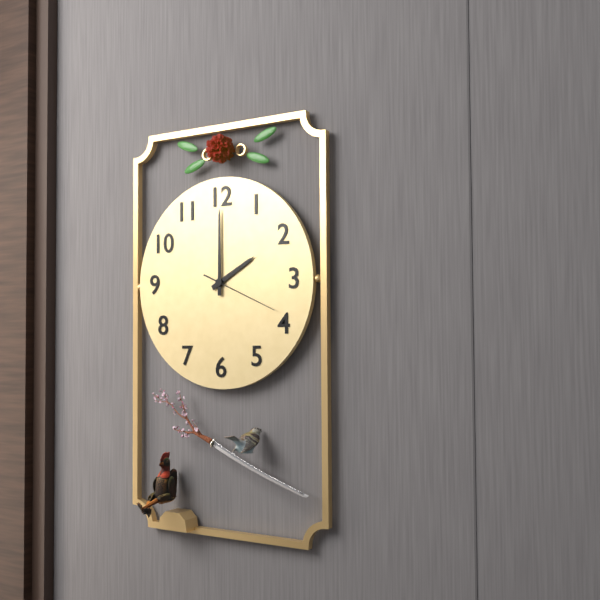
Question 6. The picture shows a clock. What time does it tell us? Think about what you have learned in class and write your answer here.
2:00:19
